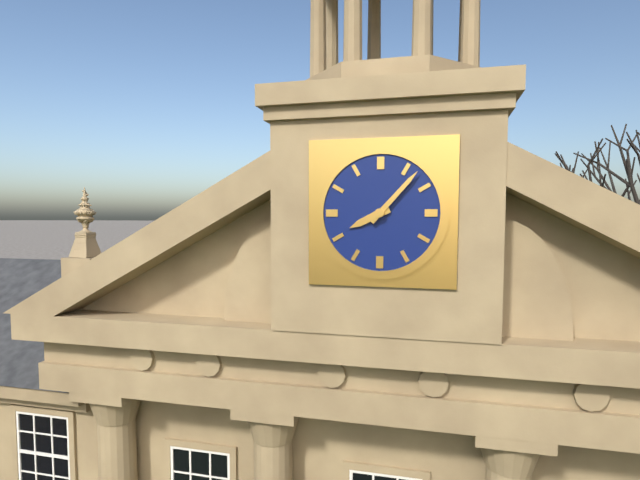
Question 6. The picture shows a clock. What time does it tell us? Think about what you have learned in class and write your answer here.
8:07
